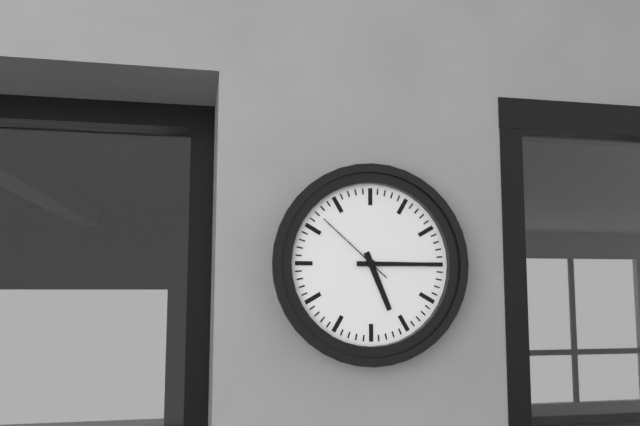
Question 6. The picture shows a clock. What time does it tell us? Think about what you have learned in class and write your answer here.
5:15:52
